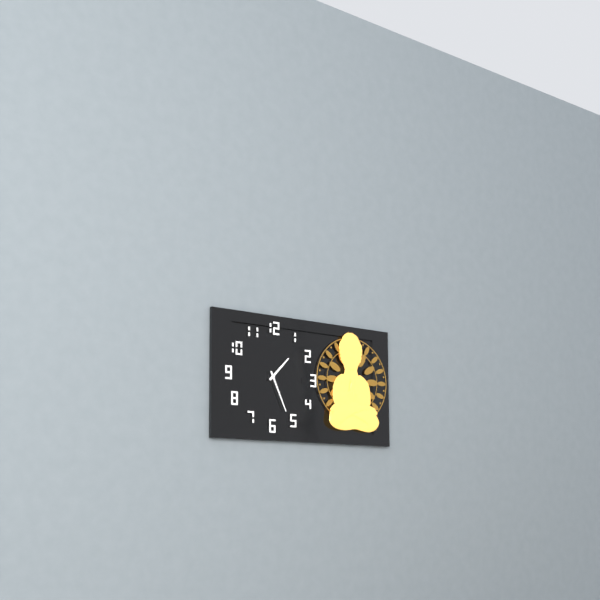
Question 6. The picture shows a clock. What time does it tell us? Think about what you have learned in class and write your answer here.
1:26
